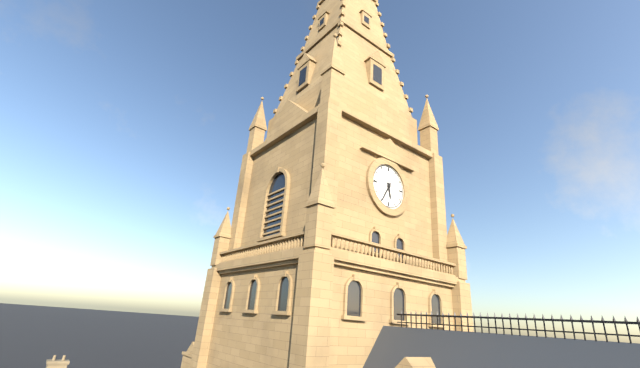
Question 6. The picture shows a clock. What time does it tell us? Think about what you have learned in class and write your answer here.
5:35
